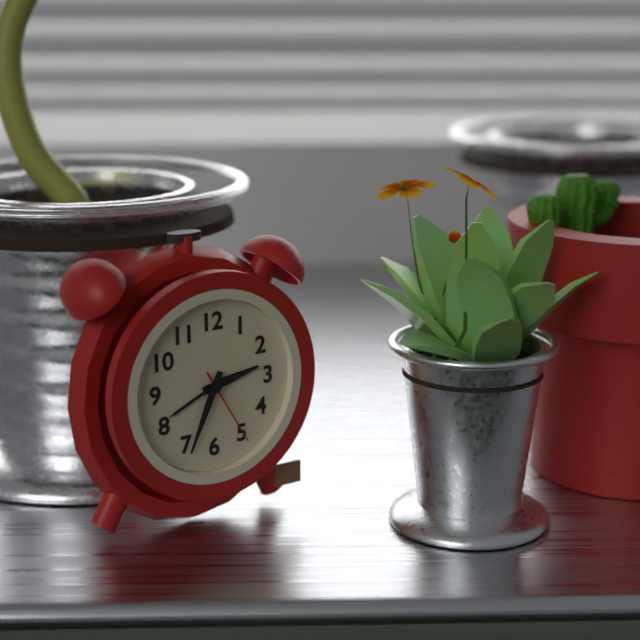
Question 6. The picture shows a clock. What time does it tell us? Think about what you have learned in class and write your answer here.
2:34:25
